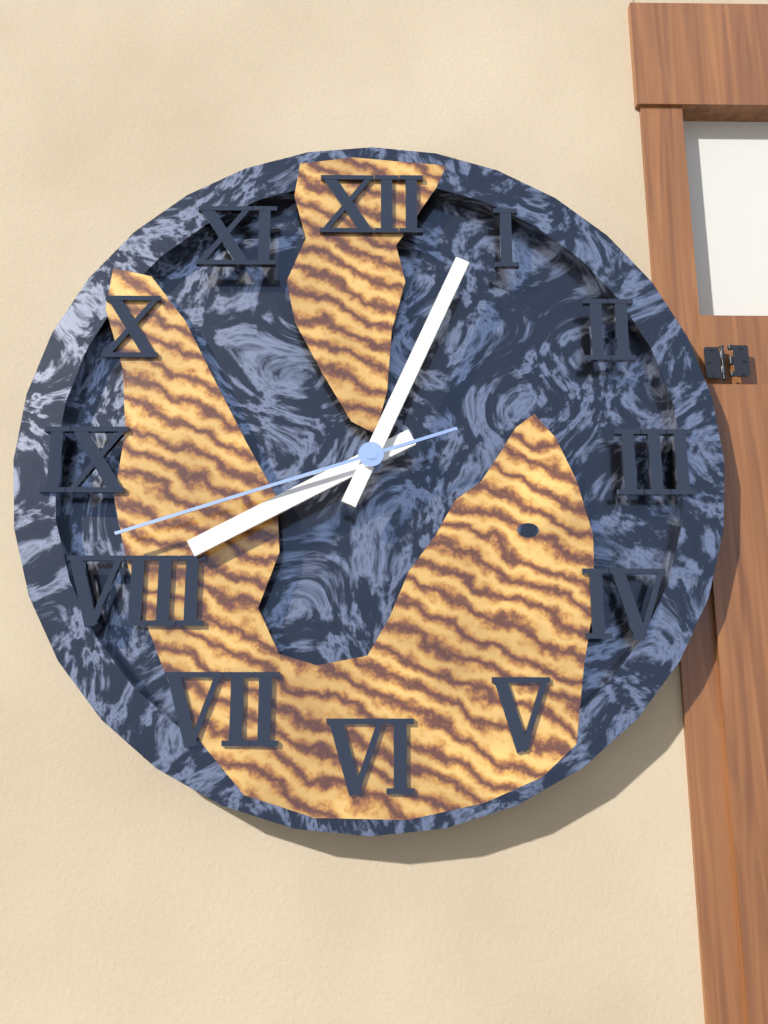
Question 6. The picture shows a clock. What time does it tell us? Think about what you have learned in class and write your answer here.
8:04:42
